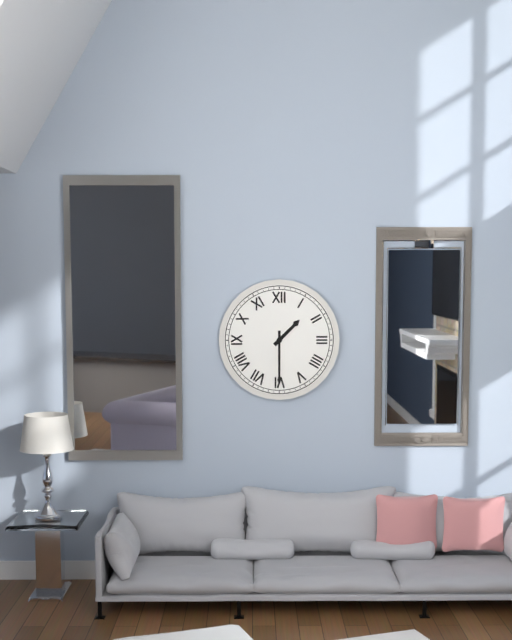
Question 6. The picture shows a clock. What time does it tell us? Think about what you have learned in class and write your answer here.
1:30
